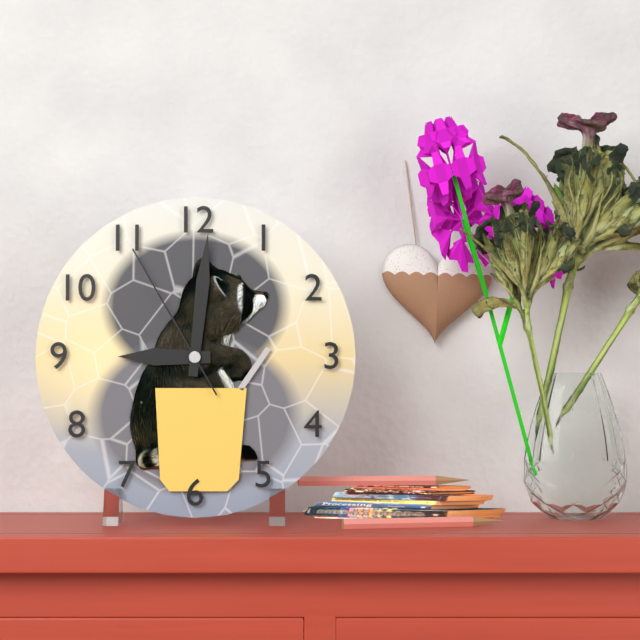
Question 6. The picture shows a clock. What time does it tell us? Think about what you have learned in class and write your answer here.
9:01:55
